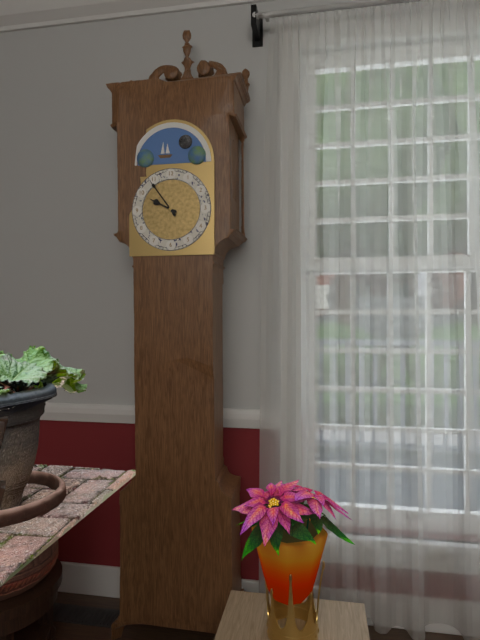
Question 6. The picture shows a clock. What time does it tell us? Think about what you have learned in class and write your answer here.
9:54
